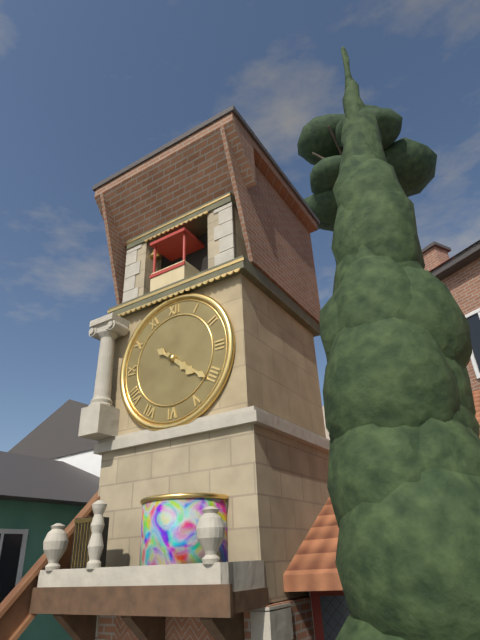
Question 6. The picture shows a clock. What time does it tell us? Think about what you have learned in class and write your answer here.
4:21
